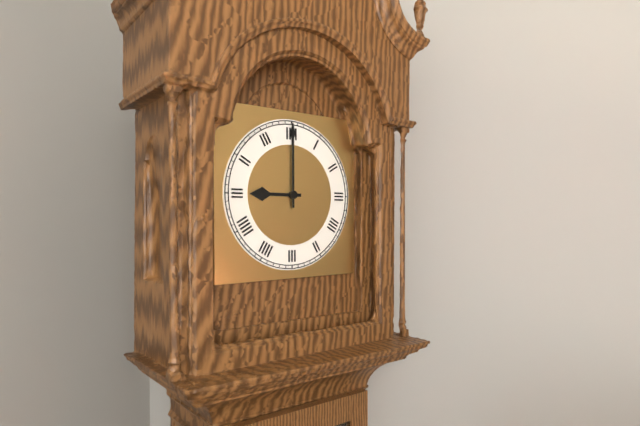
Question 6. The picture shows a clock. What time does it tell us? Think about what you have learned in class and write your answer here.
9:00
